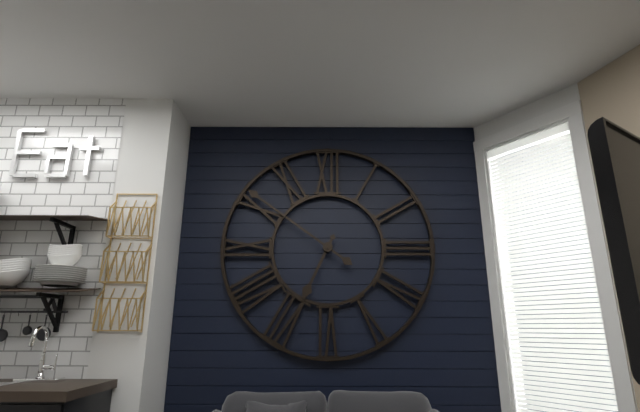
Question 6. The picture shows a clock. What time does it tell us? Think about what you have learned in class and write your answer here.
6:51
